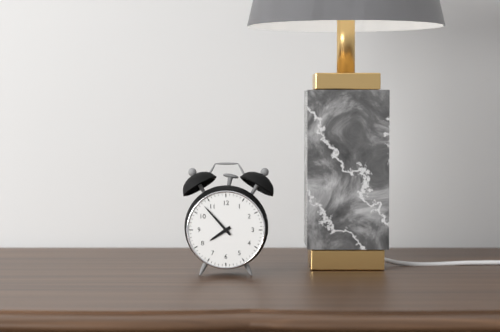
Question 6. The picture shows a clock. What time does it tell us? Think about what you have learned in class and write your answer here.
7:53
